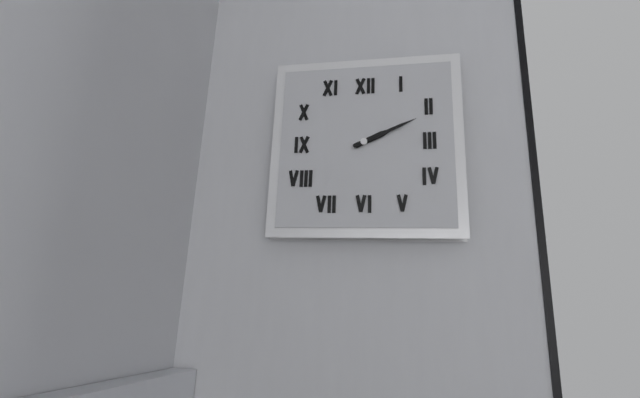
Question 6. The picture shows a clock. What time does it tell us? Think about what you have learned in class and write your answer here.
2:11
